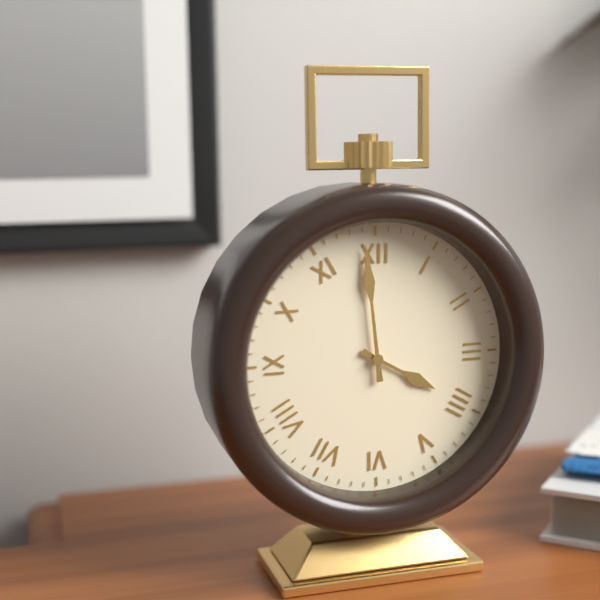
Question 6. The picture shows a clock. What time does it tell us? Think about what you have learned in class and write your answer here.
3:59
